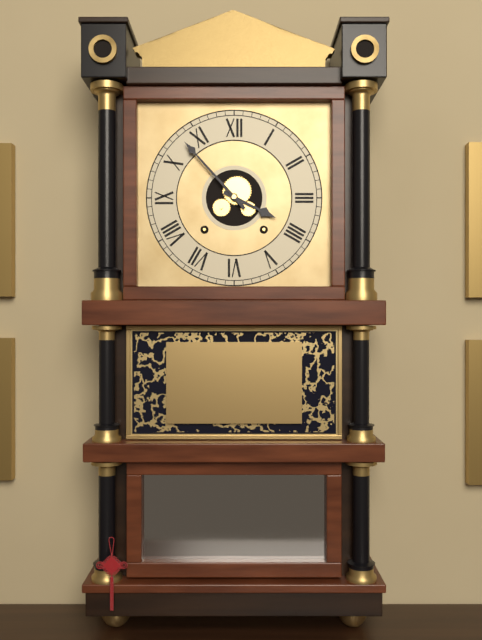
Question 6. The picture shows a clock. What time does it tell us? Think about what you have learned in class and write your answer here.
3:53
